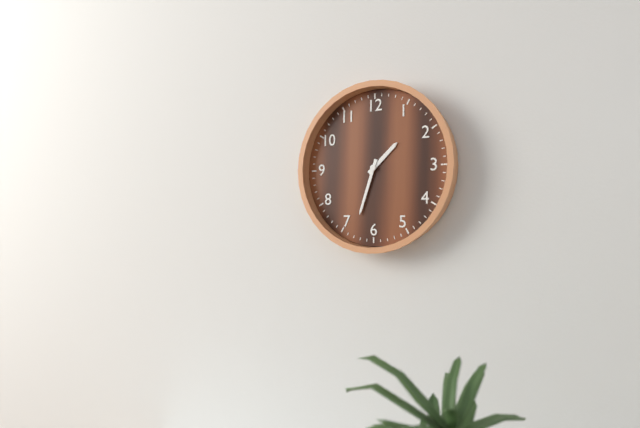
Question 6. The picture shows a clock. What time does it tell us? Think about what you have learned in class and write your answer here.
1:33
